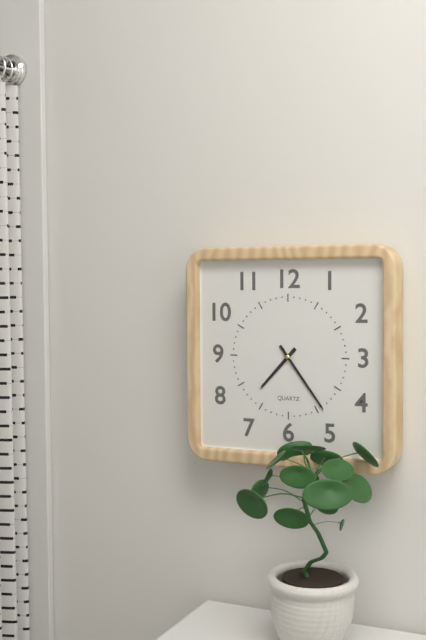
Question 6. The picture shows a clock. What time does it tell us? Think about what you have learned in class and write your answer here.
7:24
